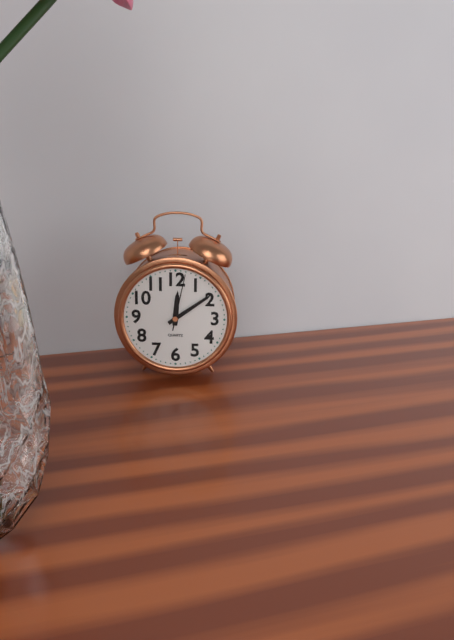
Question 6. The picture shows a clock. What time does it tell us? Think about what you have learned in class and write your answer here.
12:09:02
